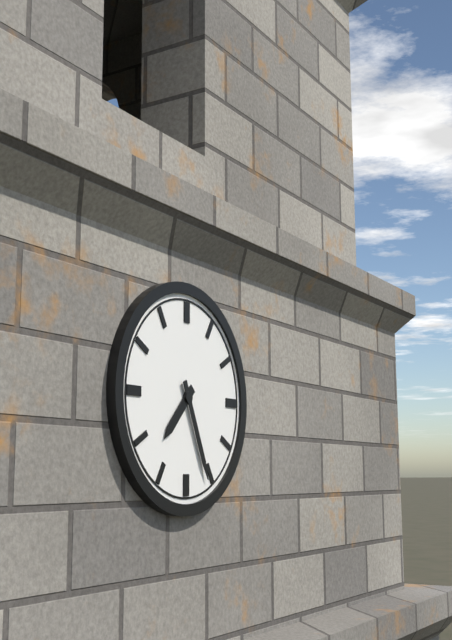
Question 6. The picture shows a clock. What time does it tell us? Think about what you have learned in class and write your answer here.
7:26
